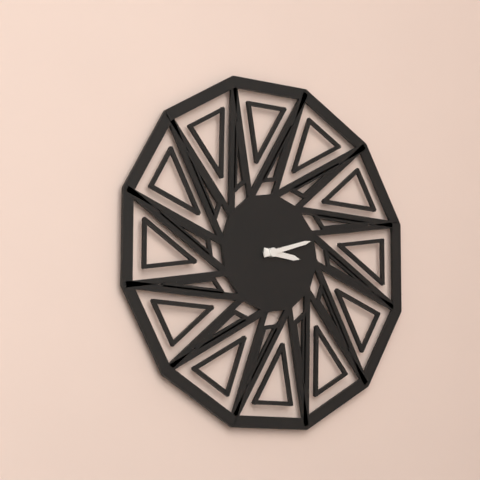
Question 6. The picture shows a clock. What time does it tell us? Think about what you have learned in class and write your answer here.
3:12
